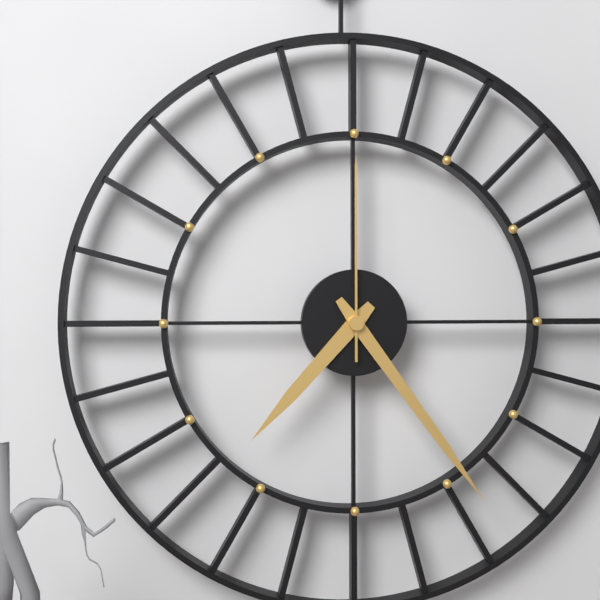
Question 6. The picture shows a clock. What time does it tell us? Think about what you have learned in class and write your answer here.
7:24:00
